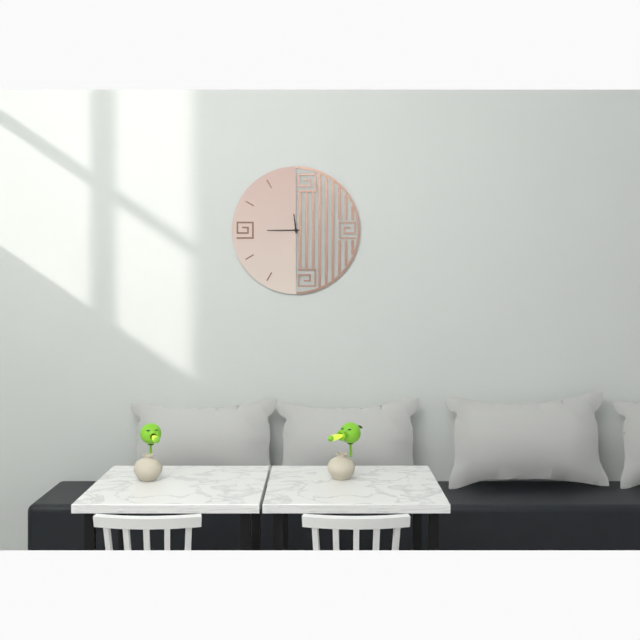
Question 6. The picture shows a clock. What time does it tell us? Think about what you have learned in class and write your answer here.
11:45
